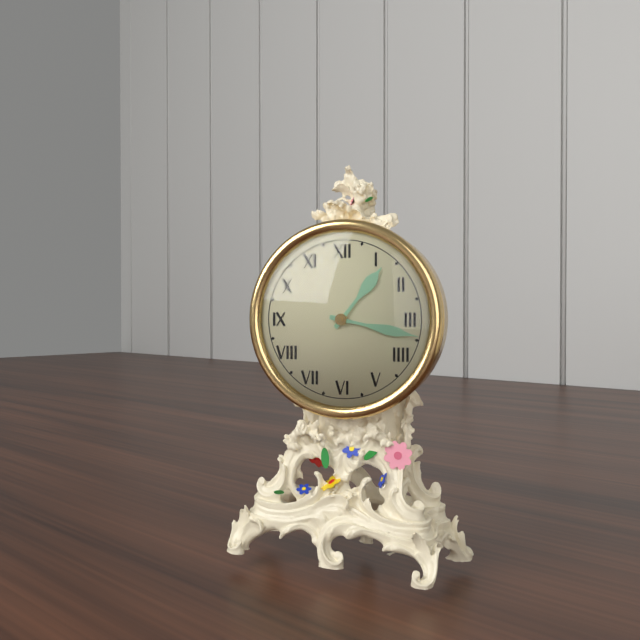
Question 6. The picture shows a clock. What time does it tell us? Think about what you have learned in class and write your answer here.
1:17
